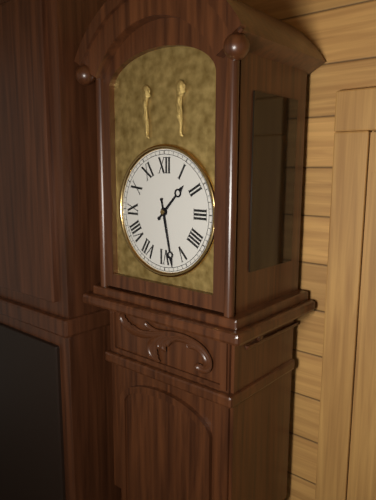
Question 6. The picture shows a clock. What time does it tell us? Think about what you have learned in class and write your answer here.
1:28
